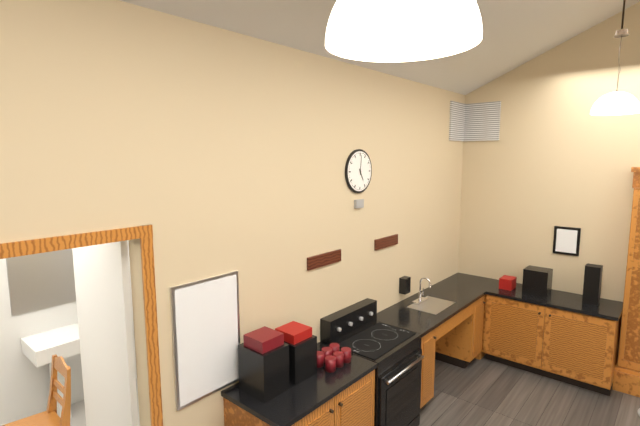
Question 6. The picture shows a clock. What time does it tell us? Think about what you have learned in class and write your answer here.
5:01
